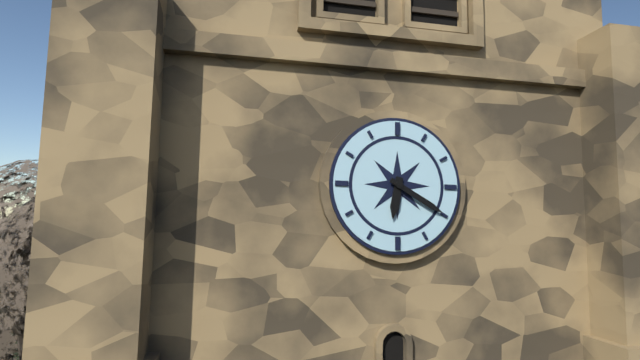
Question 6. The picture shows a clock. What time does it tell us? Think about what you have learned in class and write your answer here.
6:20
